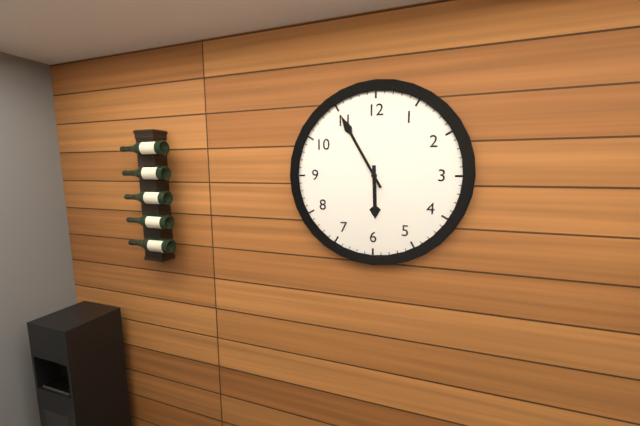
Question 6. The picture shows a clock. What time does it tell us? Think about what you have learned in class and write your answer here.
5:55
